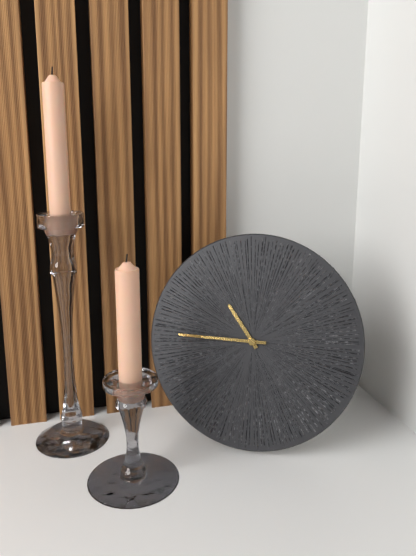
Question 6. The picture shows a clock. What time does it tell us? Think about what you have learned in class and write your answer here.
10:45
